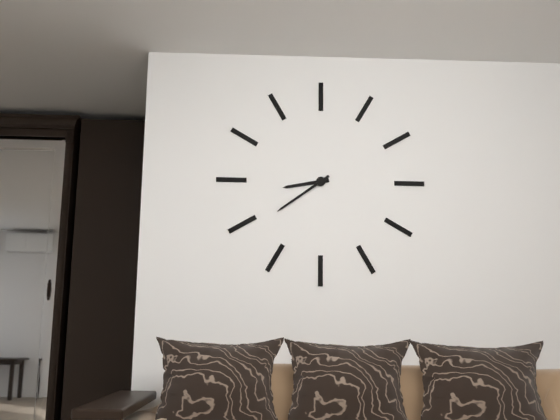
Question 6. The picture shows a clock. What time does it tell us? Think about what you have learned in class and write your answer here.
8:39
